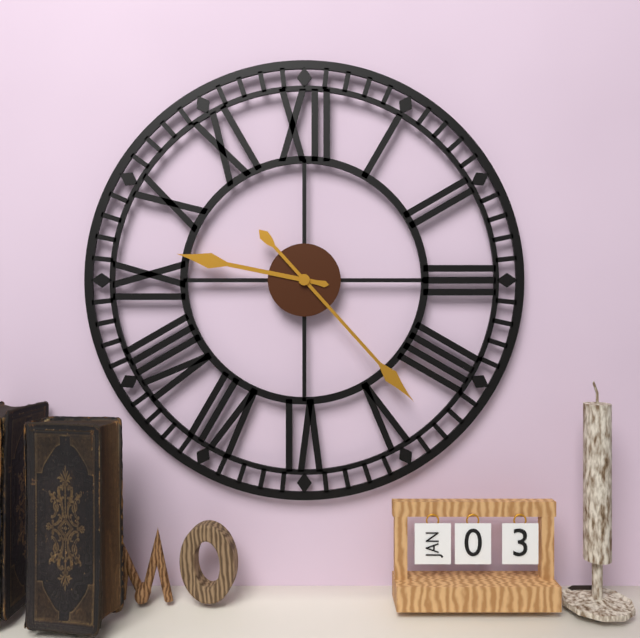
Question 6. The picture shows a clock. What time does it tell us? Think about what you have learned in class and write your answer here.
9:23
